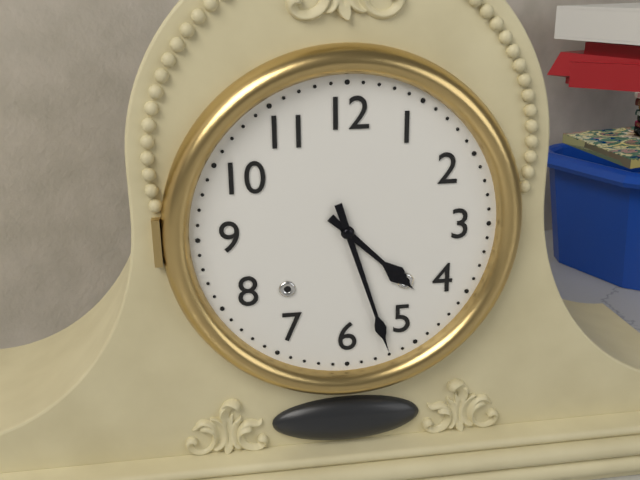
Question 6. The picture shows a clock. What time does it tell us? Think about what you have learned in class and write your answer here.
4:27
